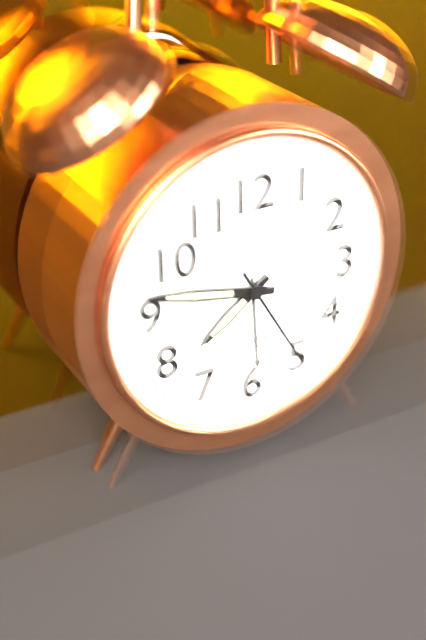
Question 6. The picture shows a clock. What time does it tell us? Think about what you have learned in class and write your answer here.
7:47:25
